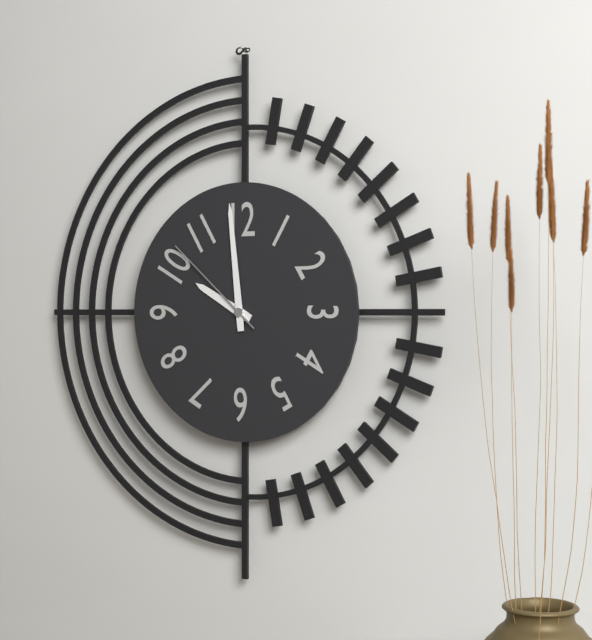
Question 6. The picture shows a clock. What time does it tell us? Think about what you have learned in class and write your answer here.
9:59:52
